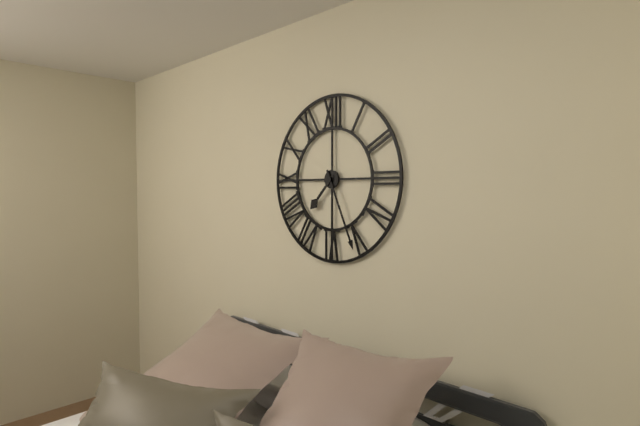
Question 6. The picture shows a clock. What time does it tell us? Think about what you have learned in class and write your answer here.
7:26
